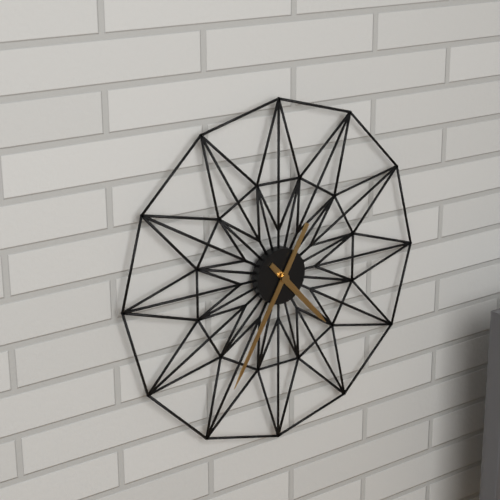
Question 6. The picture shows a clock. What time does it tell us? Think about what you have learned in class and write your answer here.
4:35
